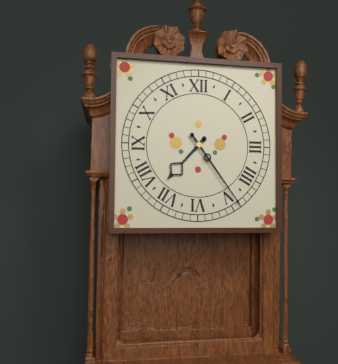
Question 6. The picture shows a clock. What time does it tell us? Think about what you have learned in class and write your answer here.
7:24
